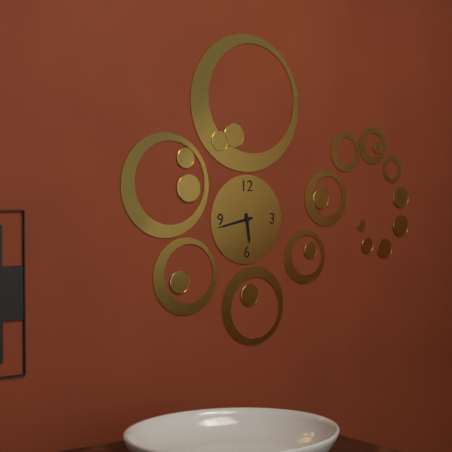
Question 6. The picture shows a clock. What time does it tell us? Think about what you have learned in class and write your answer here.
5:43
